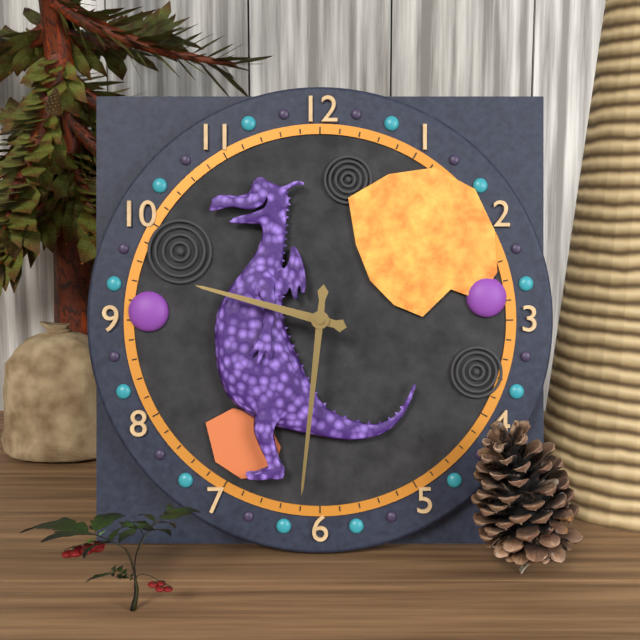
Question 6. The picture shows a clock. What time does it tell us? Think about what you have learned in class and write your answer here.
9:31
